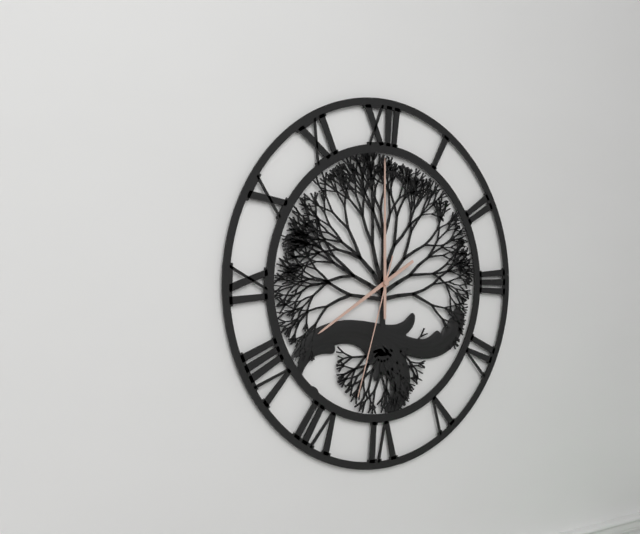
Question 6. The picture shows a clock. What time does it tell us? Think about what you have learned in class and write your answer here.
8:00:33
